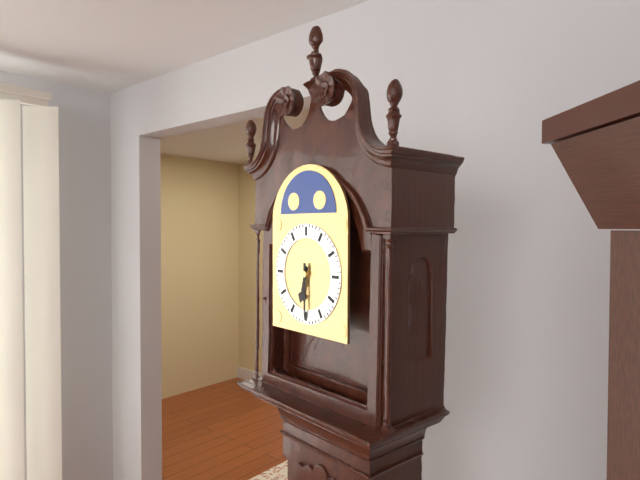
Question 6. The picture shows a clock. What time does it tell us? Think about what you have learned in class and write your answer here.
6:30
